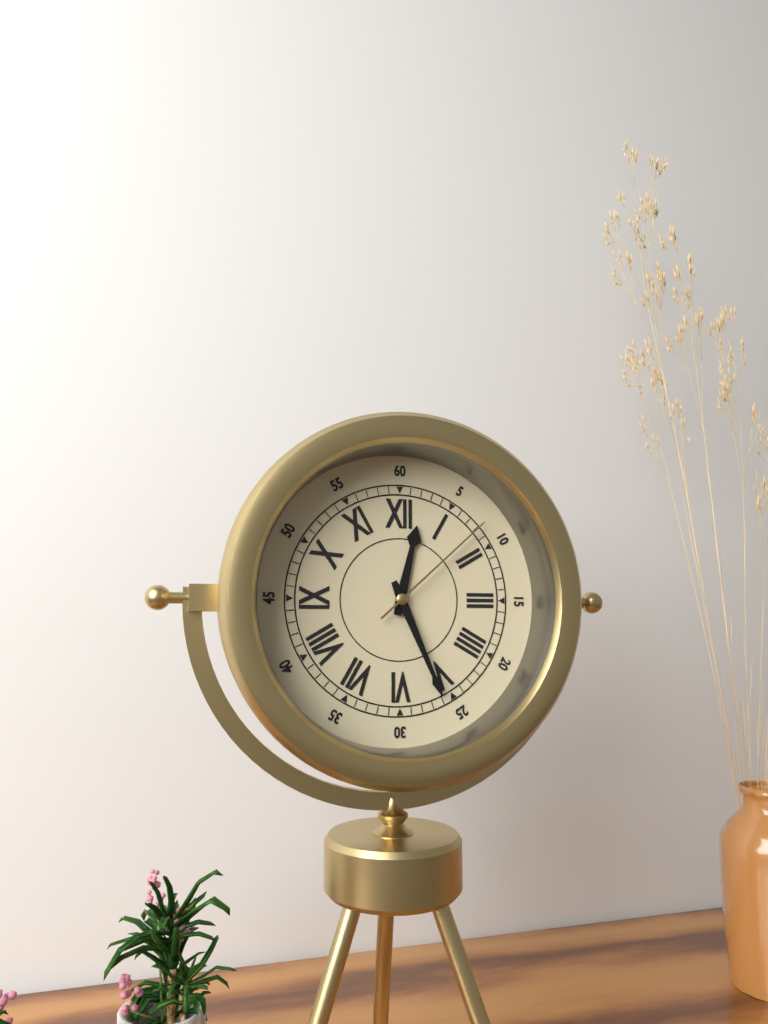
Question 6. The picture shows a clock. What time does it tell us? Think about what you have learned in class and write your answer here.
12:26:08
